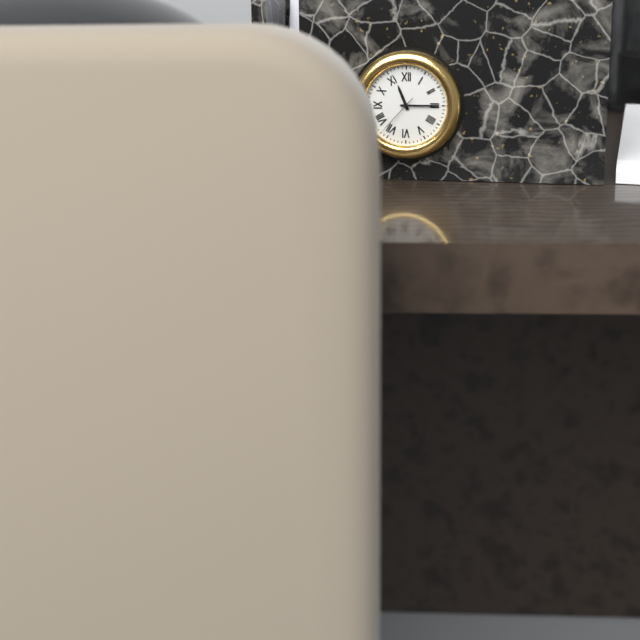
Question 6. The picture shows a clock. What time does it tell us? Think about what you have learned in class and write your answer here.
11:15
